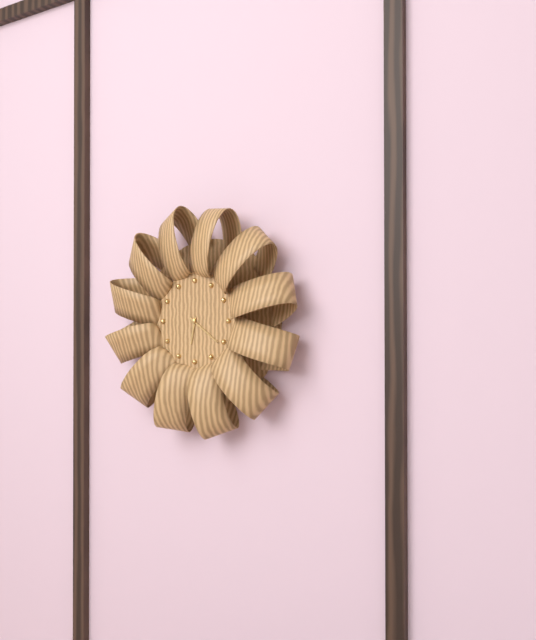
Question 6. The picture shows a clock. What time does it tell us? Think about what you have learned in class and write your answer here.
6:21
